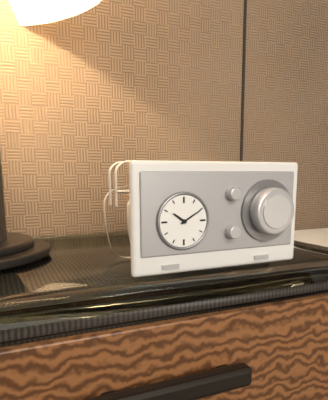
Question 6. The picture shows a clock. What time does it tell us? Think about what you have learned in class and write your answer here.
10:10
